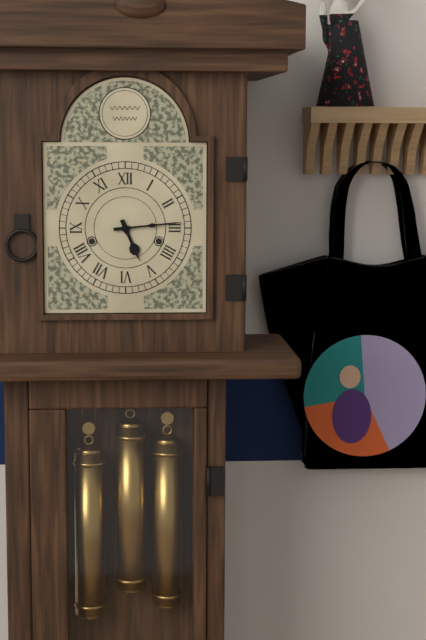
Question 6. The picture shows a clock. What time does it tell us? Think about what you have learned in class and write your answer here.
5:14
